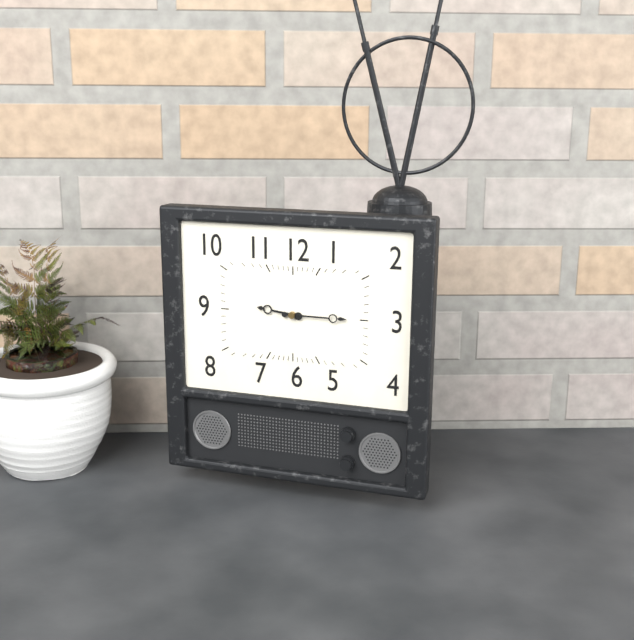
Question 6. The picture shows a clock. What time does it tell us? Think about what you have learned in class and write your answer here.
9:15
